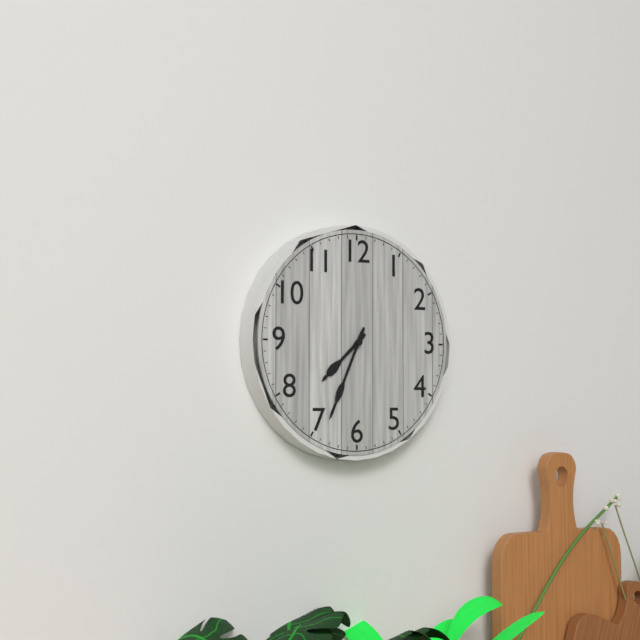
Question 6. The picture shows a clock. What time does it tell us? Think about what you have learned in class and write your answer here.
7:34
